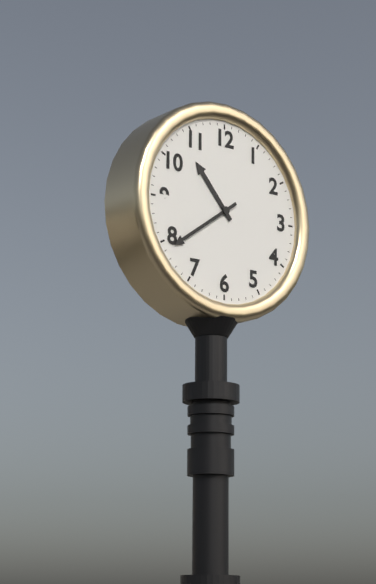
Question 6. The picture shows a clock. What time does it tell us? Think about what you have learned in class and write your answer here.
10:39
